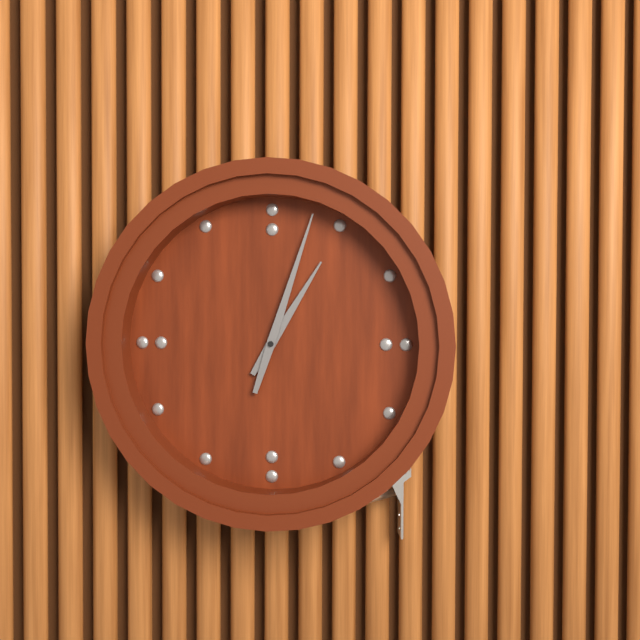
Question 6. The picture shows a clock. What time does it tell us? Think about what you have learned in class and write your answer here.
1:03
